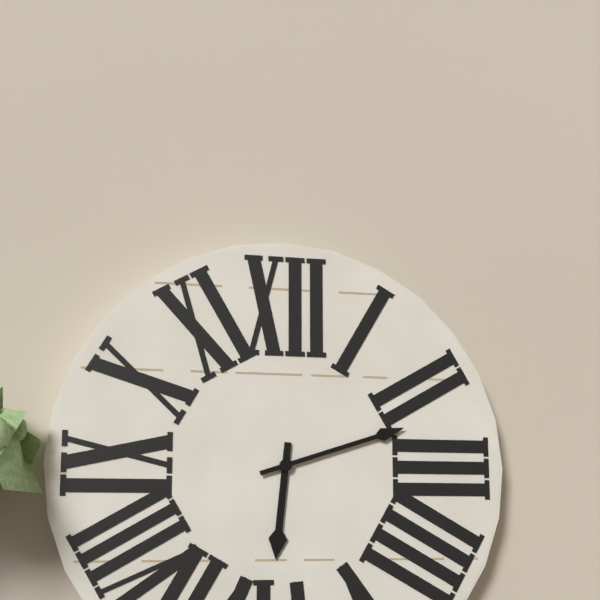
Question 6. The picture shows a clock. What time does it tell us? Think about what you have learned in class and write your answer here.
6:12
